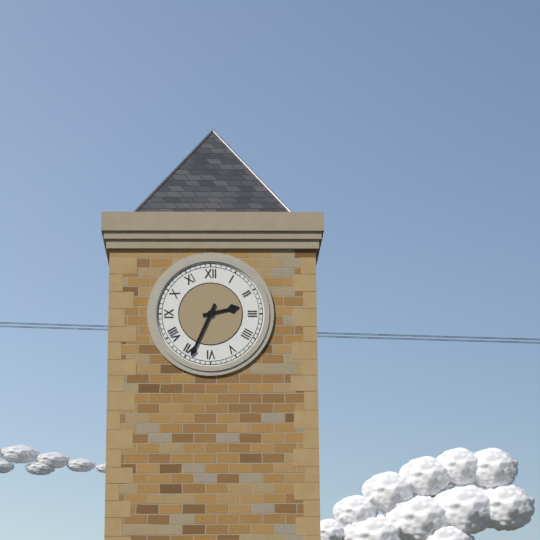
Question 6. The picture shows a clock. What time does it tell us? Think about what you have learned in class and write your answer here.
2:34
